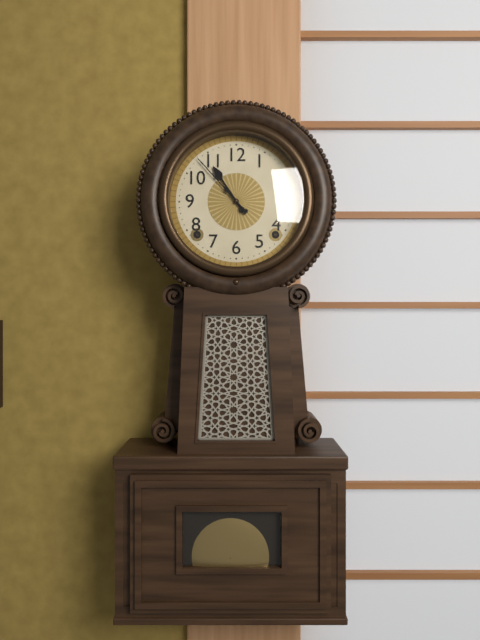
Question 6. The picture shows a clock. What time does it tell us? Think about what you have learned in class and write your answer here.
10:53
